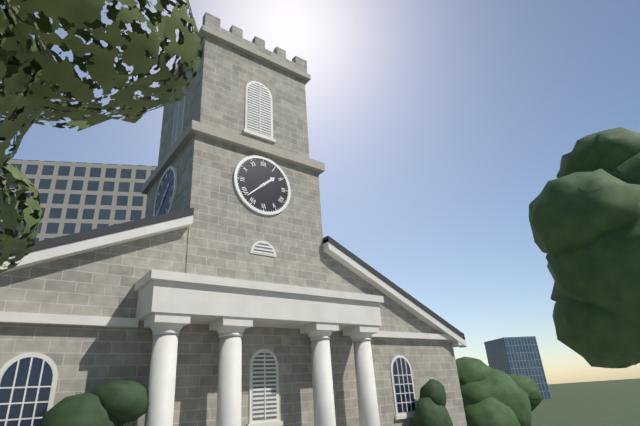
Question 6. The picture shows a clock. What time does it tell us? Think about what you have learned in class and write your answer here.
1:38
